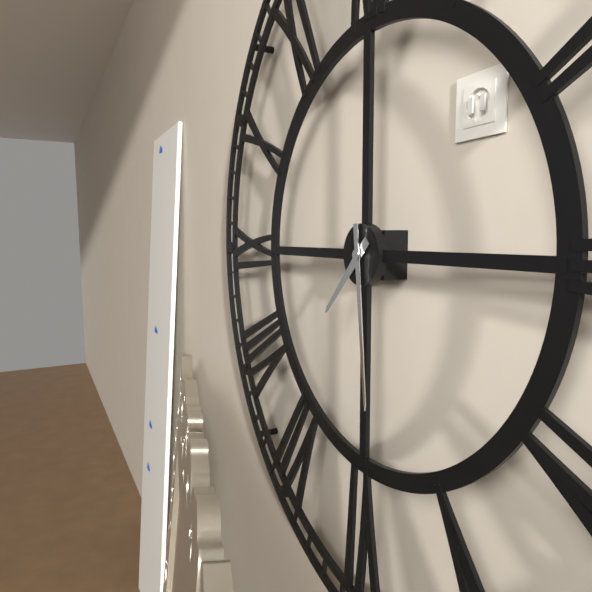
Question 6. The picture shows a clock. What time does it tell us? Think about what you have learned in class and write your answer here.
7:29
